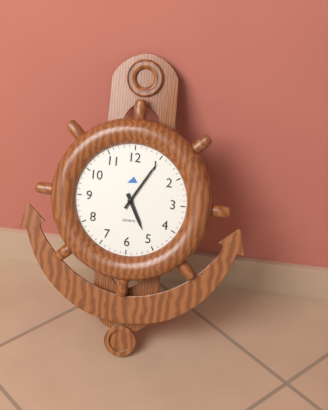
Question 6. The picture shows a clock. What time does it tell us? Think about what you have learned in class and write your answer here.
5:05
